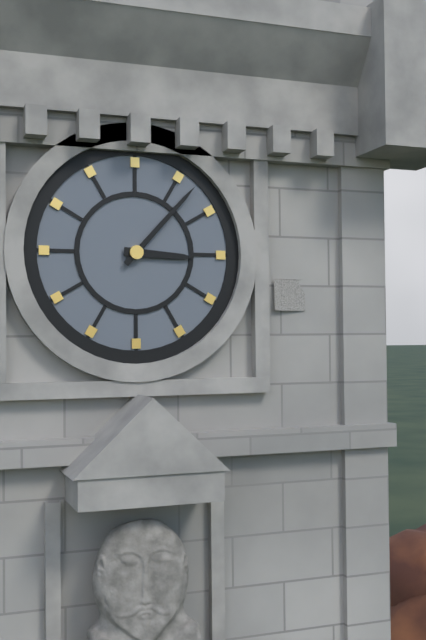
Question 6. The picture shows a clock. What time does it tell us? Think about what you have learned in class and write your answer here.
3:07
